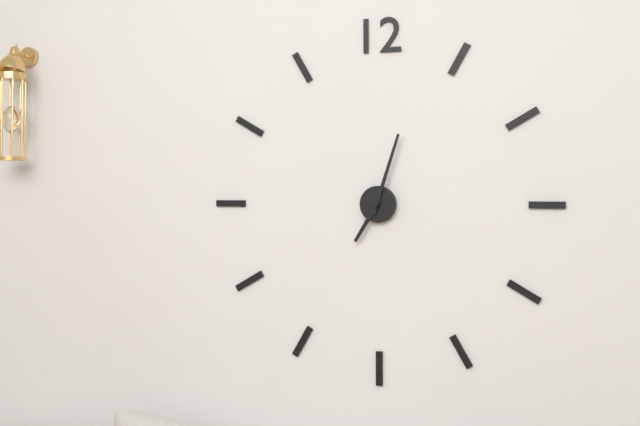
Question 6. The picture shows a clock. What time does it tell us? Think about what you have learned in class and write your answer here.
7:03
